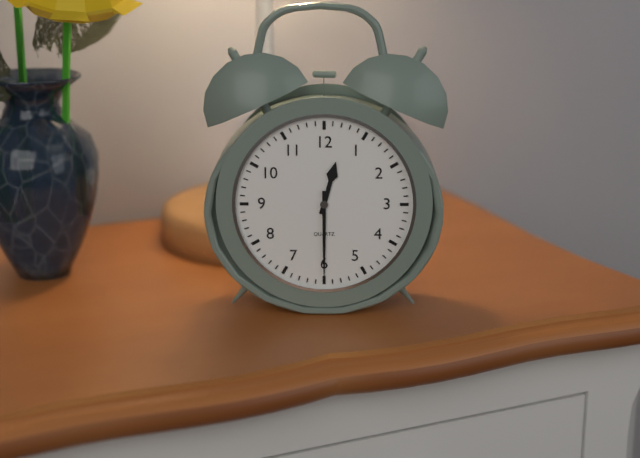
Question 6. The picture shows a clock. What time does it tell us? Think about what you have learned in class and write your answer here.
12:30
